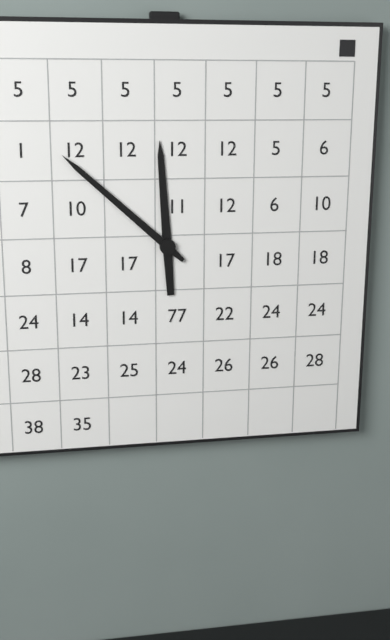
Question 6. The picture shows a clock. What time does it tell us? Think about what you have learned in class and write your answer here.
11:52
